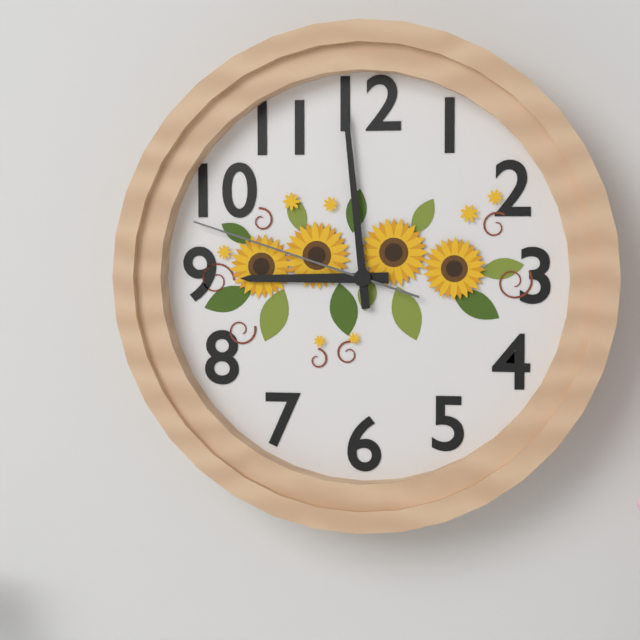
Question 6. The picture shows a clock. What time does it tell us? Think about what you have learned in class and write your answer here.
8:59:48
